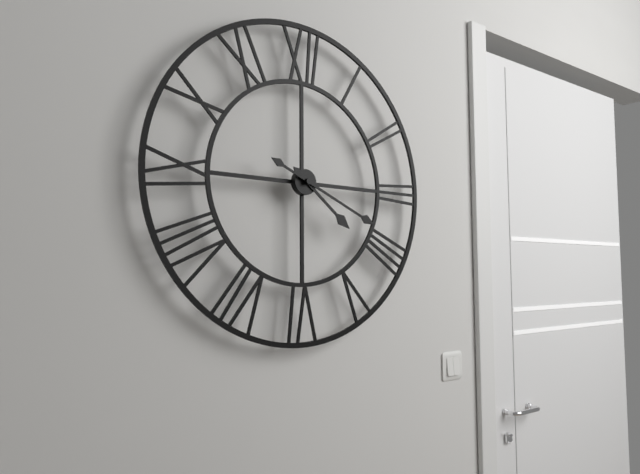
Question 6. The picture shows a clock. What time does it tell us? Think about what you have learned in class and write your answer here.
4:19
